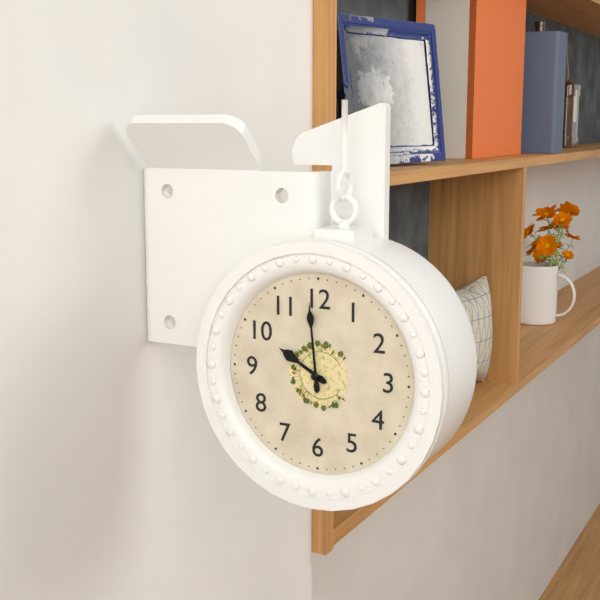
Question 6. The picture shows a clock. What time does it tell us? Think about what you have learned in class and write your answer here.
9:59
